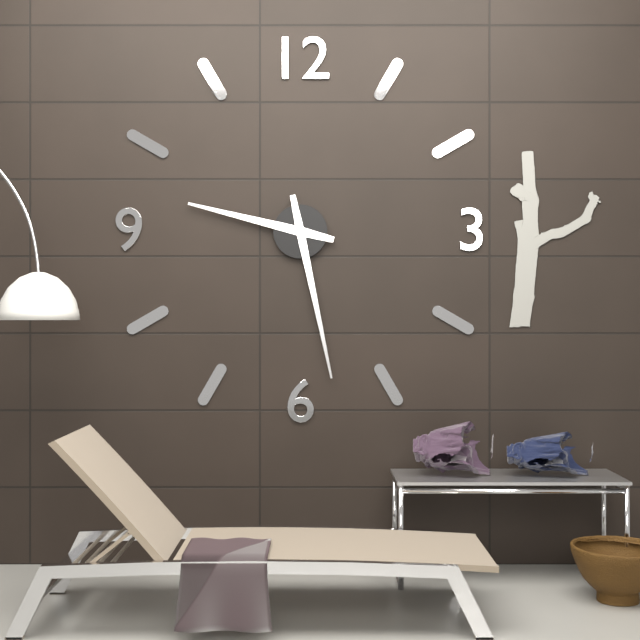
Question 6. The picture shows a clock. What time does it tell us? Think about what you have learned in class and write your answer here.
9:28
